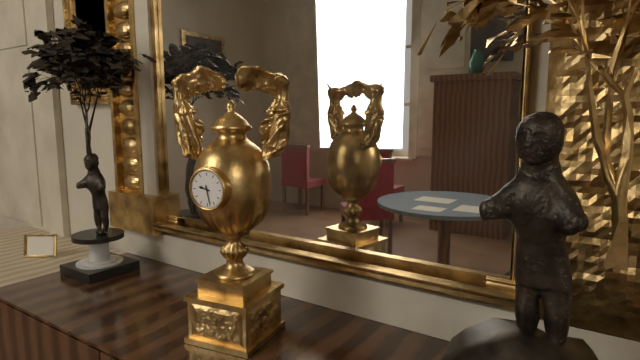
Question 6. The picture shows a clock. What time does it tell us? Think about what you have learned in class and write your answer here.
9:28
